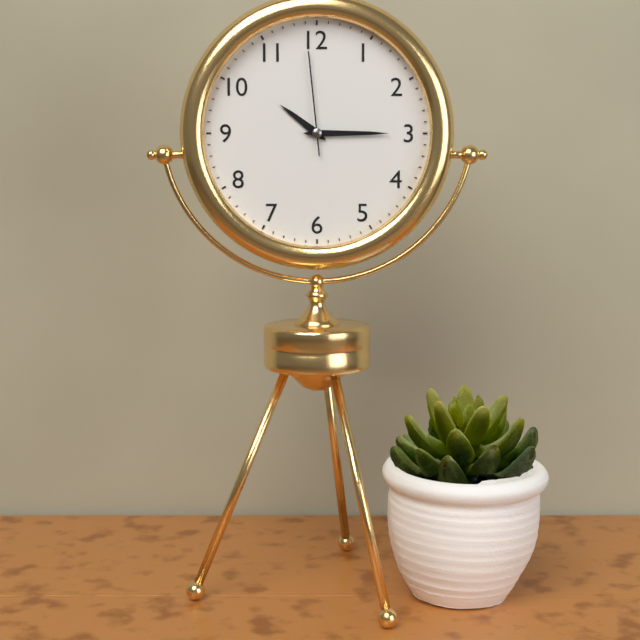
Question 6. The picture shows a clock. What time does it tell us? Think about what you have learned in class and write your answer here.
10:15:59
